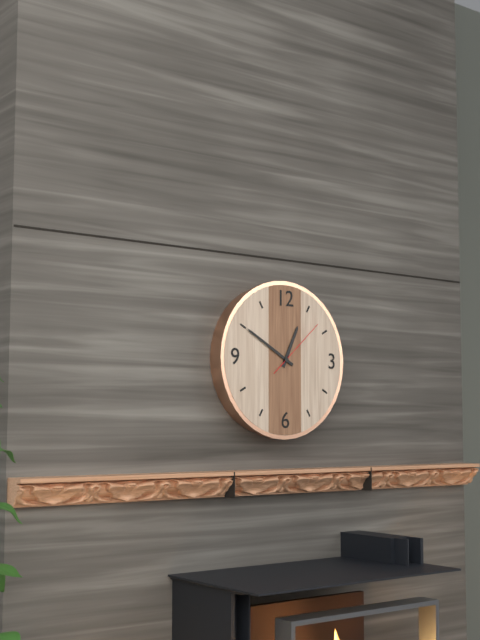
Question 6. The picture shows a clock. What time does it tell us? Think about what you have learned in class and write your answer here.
12:50:08
